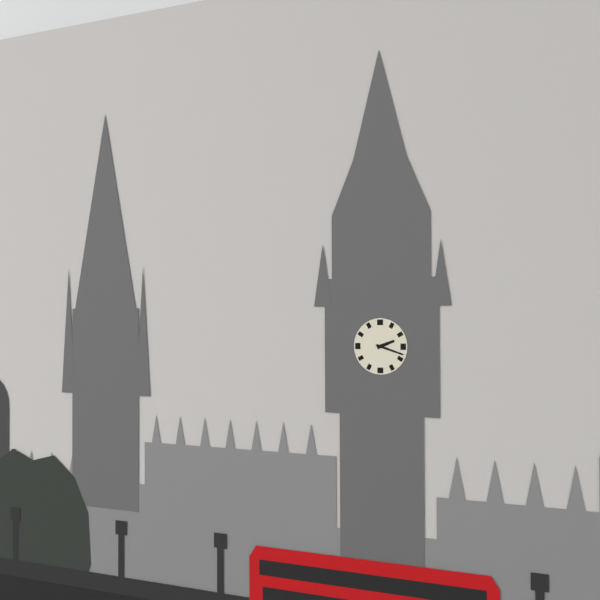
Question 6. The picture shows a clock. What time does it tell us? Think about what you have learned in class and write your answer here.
2:18
